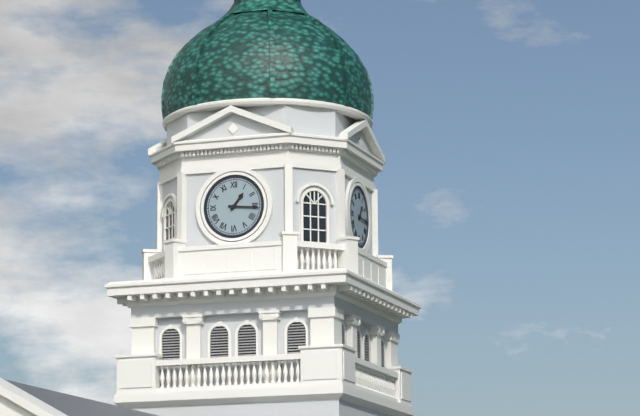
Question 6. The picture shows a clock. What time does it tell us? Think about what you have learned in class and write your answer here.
1:16
